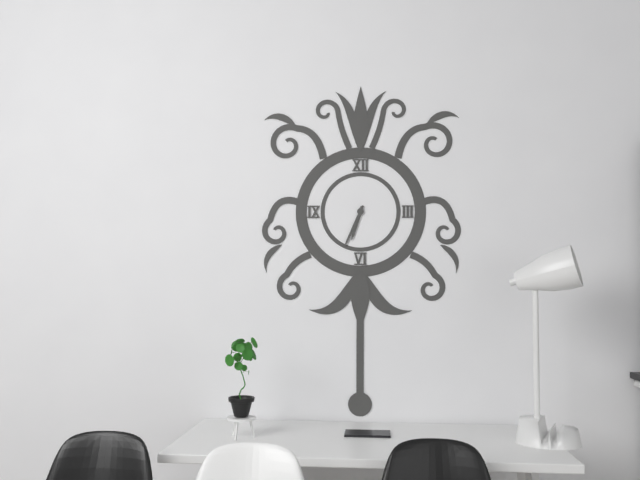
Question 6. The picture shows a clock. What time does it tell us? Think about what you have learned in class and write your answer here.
6:34
